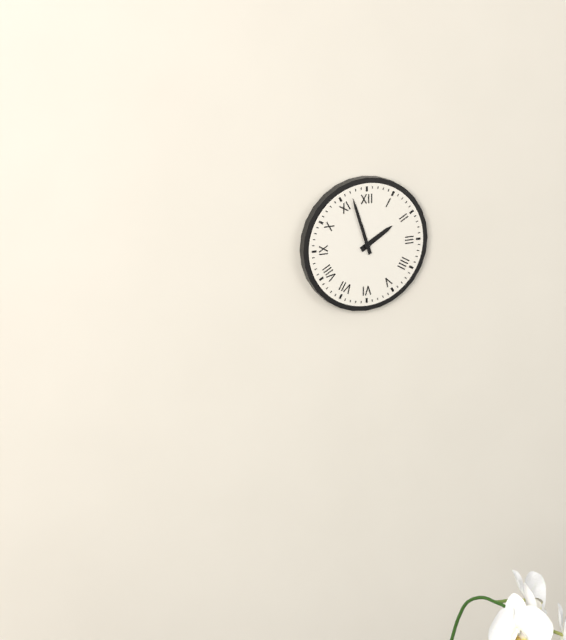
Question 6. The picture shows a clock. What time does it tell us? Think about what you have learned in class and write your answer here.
1:57
